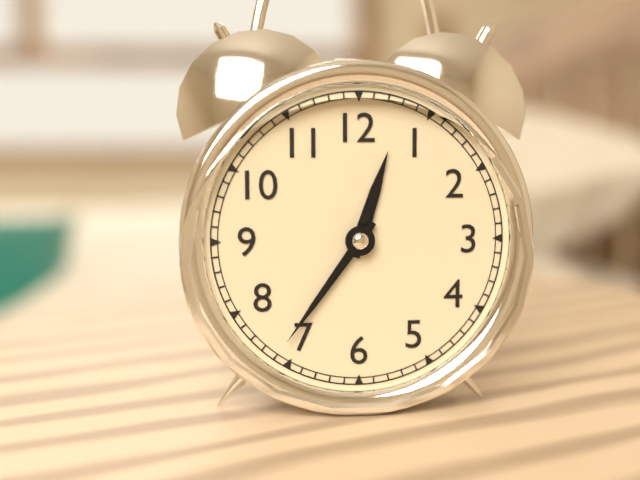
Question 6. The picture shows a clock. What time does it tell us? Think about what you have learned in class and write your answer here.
12:36
